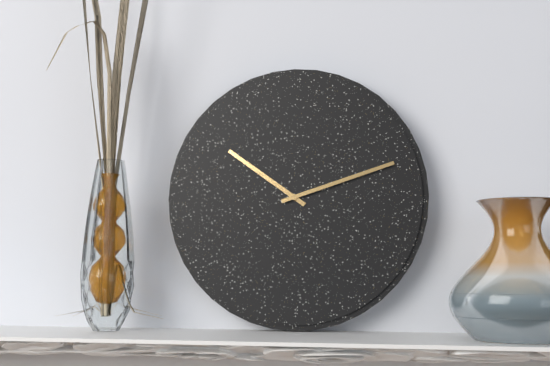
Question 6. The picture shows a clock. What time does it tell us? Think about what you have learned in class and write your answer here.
10:12
